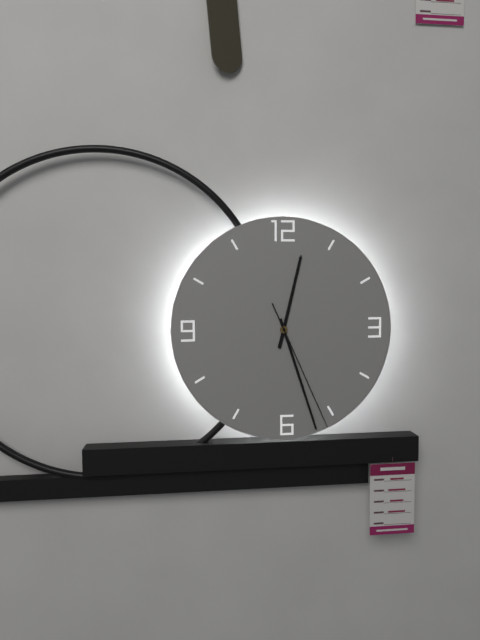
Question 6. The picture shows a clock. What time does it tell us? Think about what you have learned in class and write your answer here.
12:27:26
